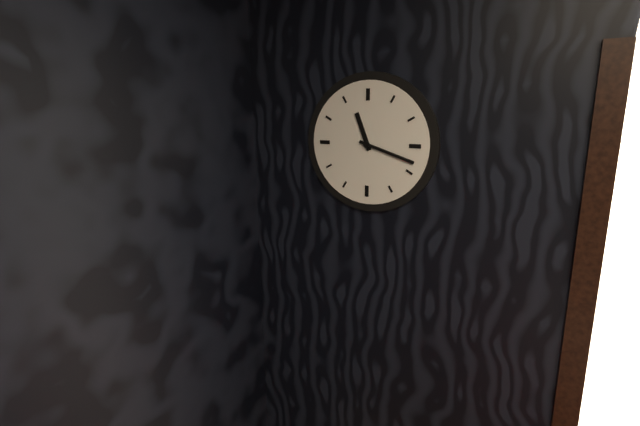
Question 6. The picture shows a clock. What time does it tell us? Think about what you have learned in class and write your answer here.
11:18
